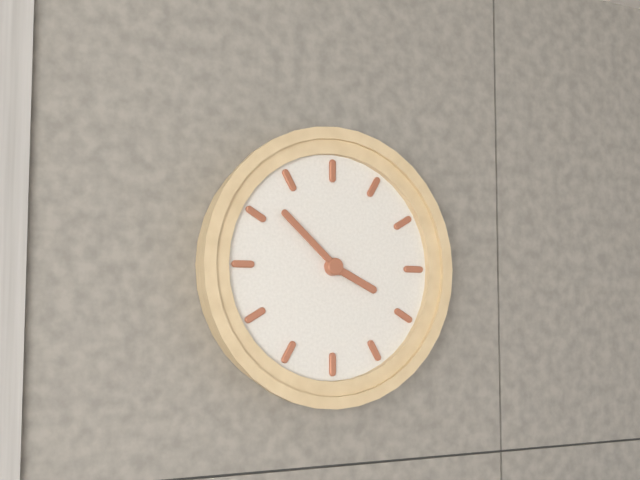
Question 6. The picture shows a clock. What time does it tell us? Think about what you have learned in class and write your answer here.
3:52
